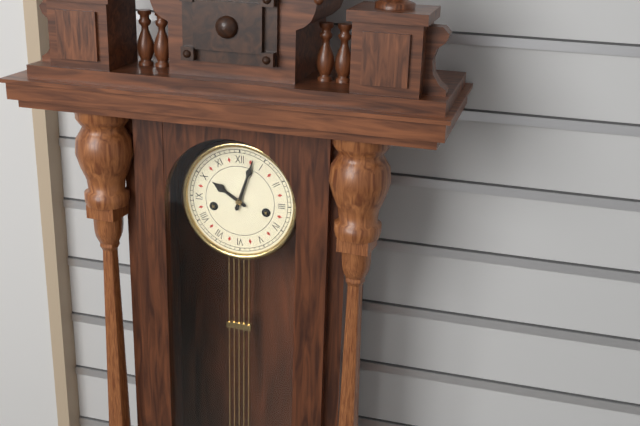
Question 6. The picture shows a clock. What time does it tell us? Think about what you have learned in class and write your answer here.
10:03
